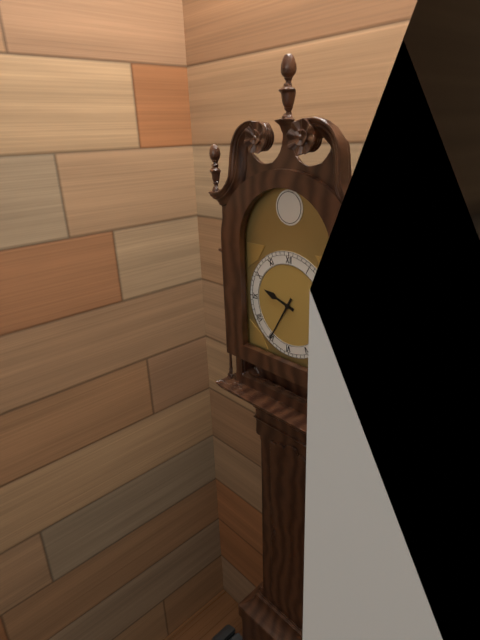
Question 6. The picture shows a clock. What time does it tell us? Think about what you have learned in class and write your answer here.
9:35
